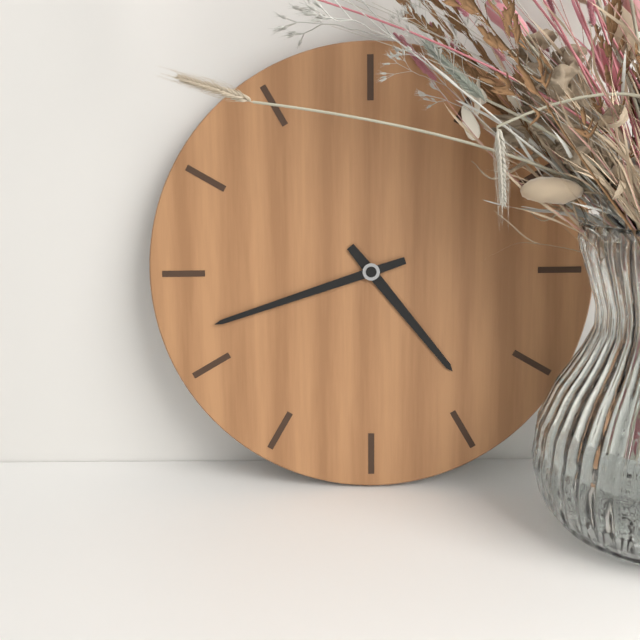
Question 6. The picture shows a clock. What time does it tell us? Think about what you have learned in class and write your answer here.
4:42
